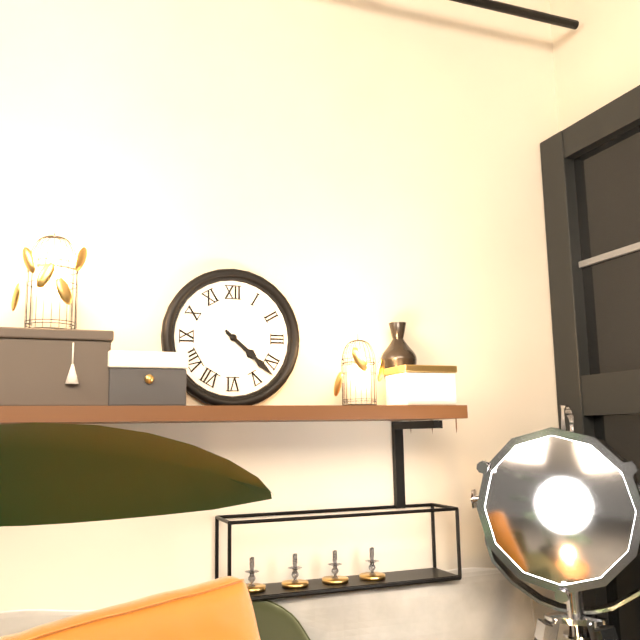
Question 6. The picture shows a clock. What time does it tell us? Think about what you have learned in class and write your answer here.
4:22
